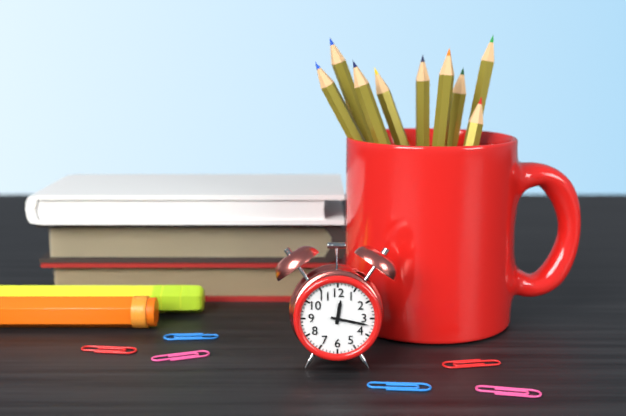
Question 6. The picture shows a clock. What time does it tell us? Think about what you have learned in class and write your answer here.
12:17
